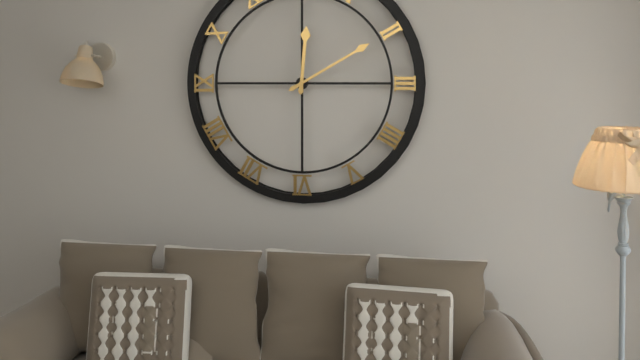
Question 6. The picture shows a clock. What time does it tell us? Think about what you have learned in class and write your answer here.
12:10
